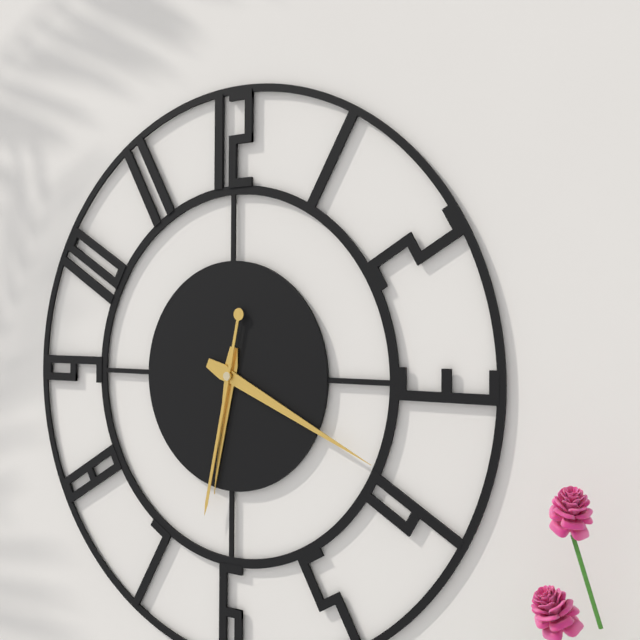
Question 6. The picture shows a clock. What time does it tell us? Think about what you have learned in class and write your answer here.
6:19:32
